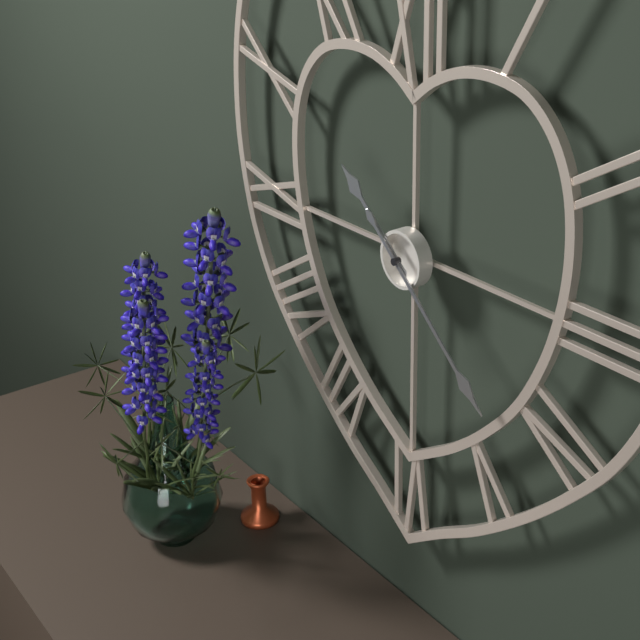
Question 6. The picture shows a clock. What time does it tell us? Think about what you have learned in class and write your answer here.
10:22
